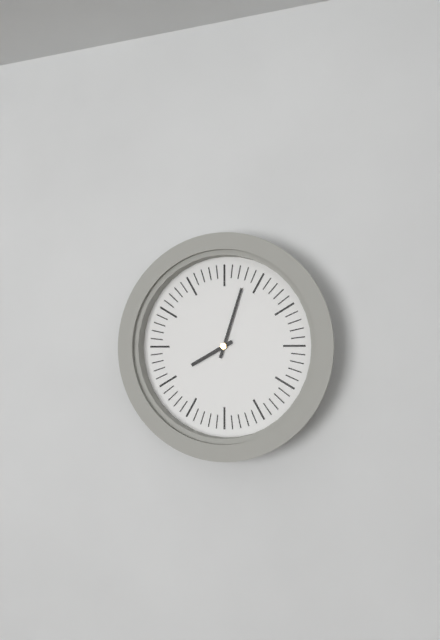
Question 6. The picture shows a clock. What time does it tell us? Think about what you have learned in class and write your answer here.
8:03
